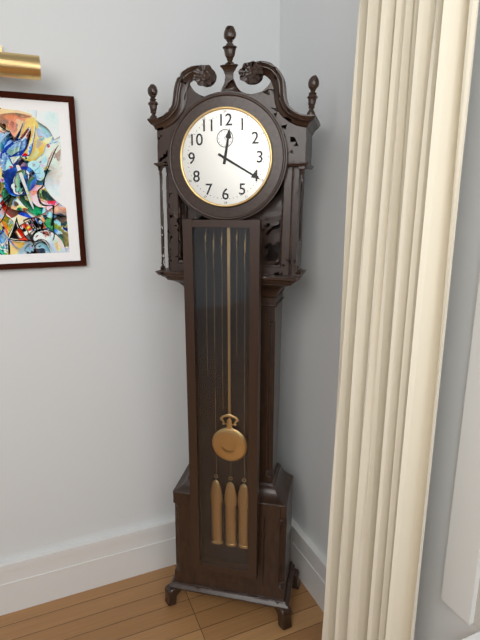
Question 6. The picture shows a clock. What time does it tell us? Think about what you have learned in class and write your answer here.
12:20
